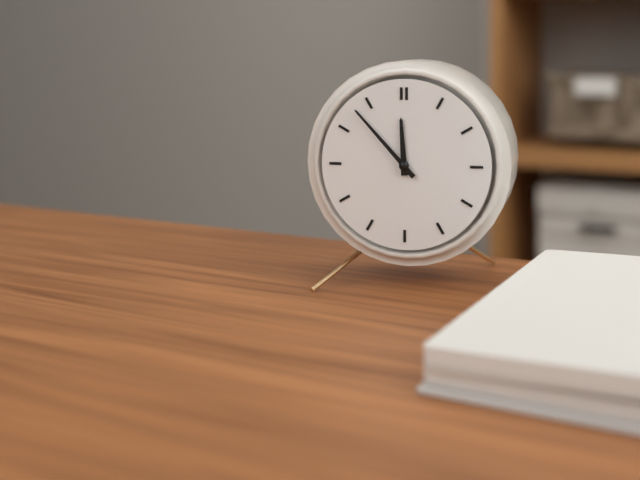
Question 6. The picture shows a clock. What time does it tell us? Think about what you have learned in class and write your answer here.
11:53
